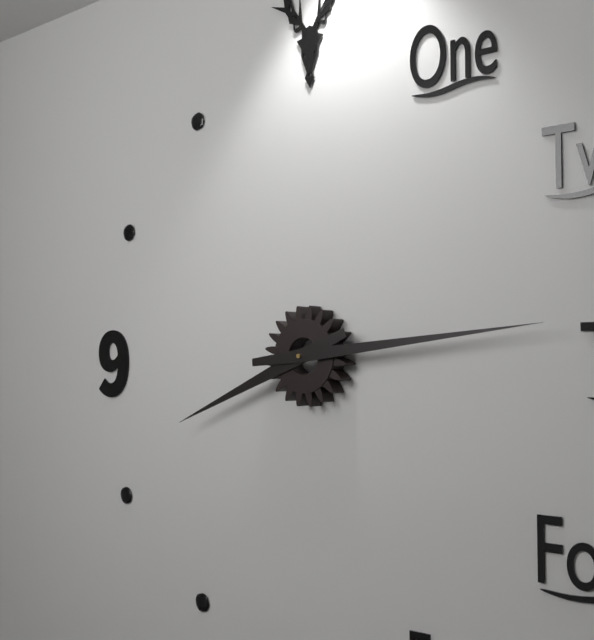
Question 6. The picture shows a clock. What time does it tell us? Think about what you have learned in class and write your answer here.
8:14
